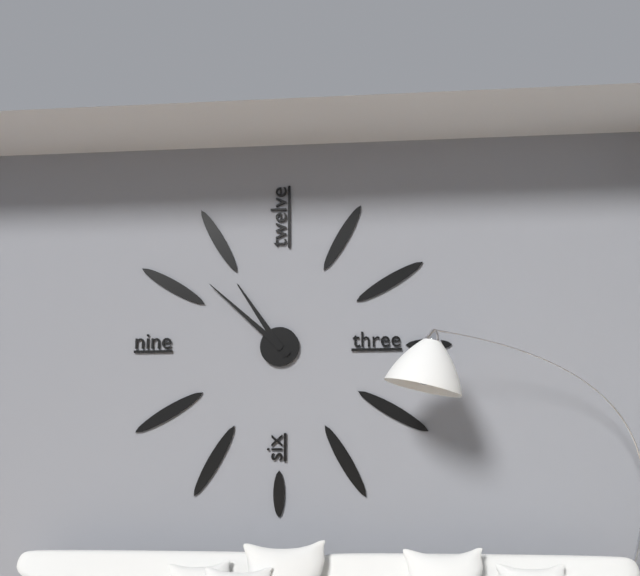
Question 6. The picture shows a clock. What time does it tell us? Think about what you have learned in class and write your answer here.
10:52
